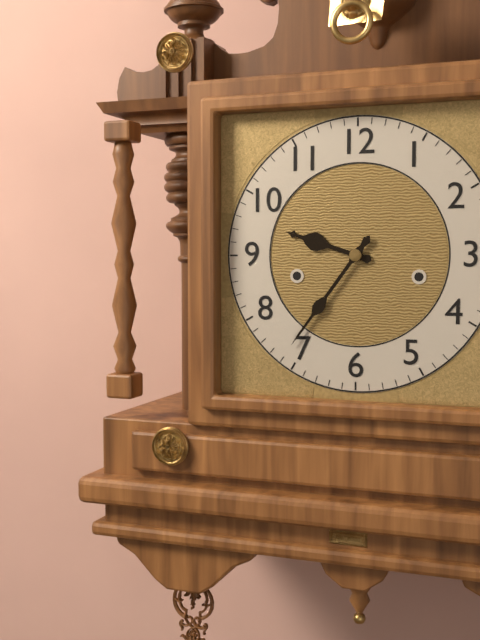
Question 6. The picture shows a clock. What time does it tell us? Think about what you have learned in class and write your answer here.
9:36
